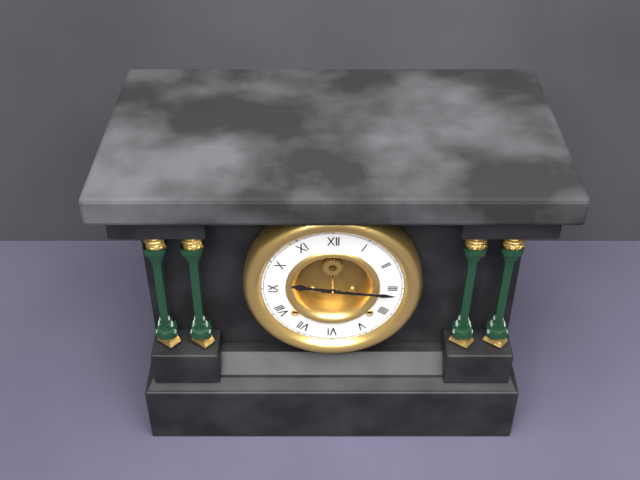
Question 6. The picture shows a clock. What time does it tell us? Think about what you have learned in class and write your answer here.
9:16
